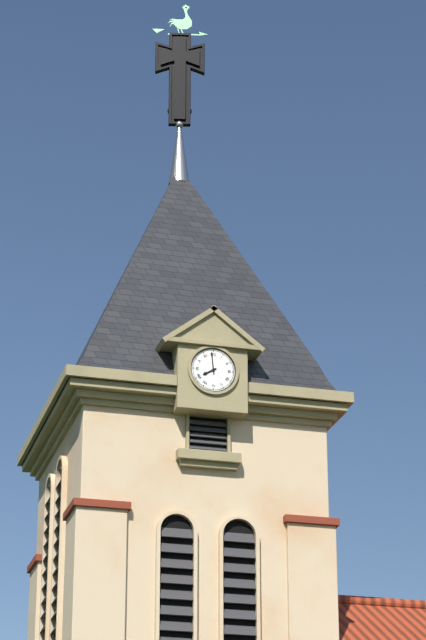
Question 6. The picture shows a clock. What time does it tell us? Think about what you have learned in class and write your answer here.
7:59
